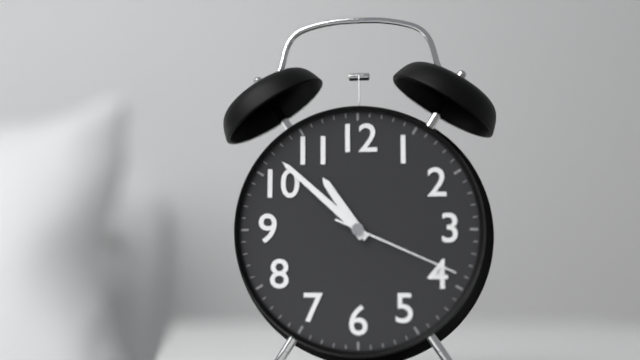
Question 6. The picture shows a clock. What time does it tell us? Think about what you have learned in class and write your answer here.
10:52:19
